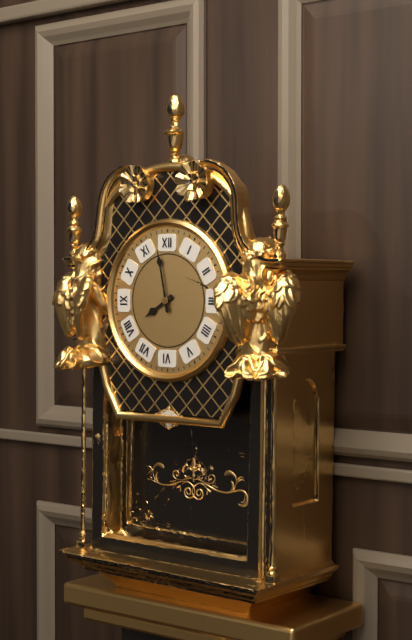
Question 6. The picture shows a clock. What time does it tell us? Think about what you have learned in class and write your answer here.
7:58
